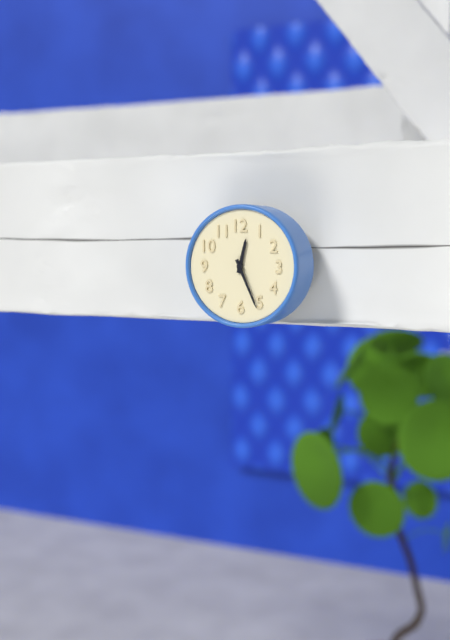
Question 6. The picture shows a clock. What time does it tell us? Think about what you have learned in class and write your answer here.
12:26
